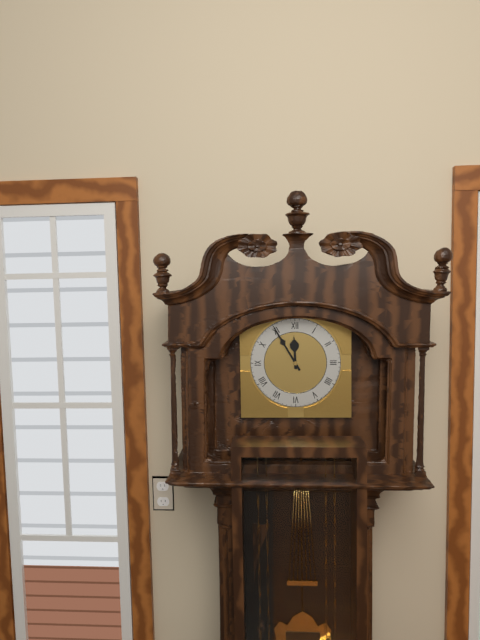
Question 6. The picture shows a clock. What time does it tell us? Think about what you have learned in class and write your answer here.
11:55
